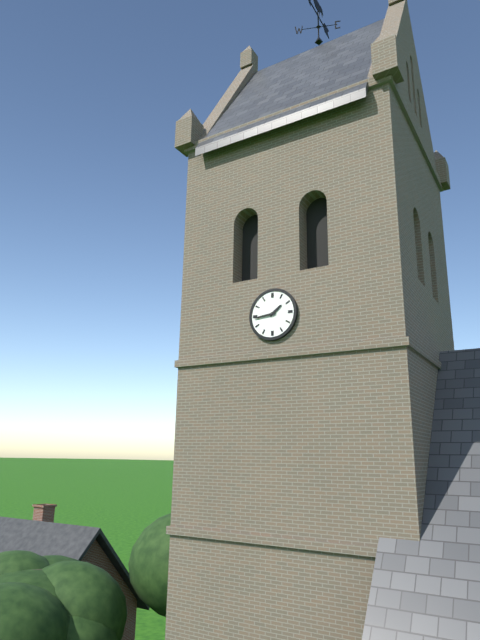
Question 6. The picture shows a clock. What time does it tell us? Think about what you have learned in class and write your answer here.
1:44
